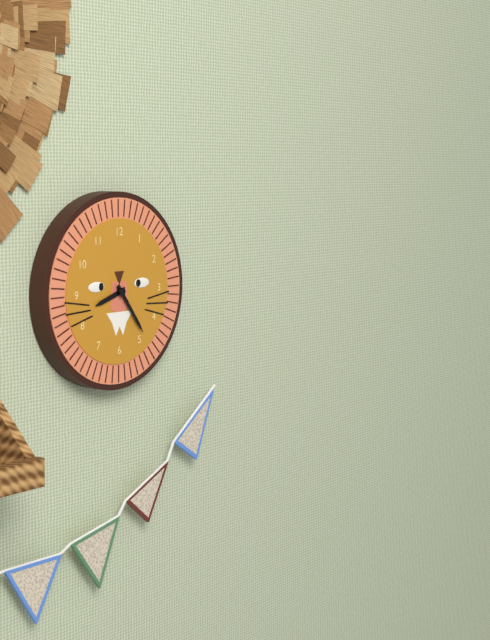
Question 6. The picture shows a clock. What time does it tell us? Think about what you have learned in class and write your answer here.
8:24
